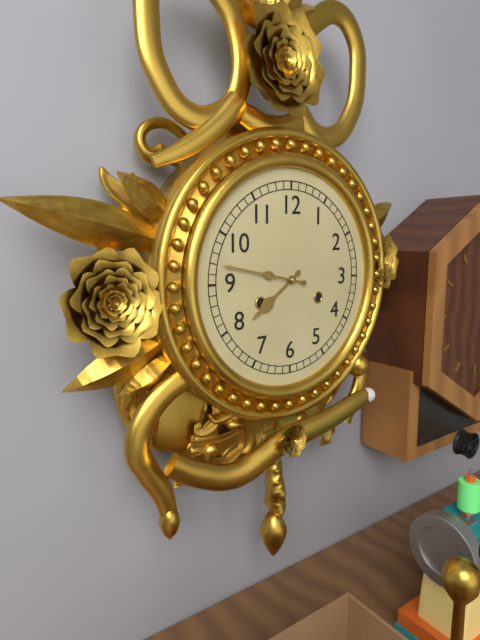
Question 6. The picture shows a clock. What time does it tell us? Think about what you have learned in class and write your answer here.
7:47
